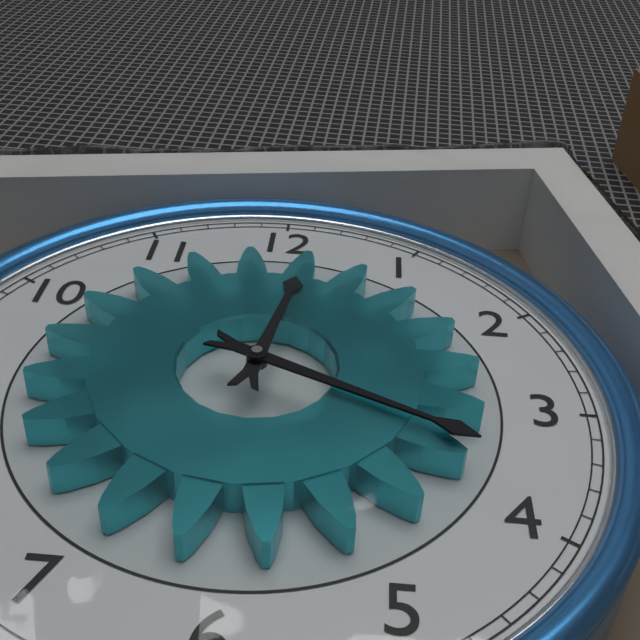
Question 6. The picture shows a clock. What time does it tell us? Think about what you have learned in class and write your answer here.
12:19
